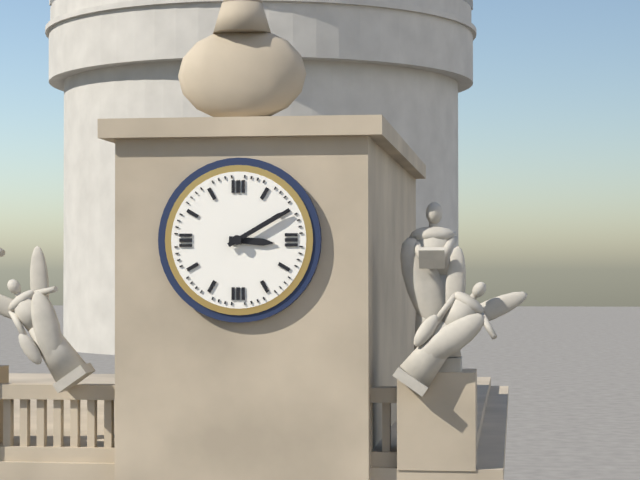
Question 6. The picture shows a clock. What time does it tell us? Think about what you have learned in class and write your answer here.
3:10
